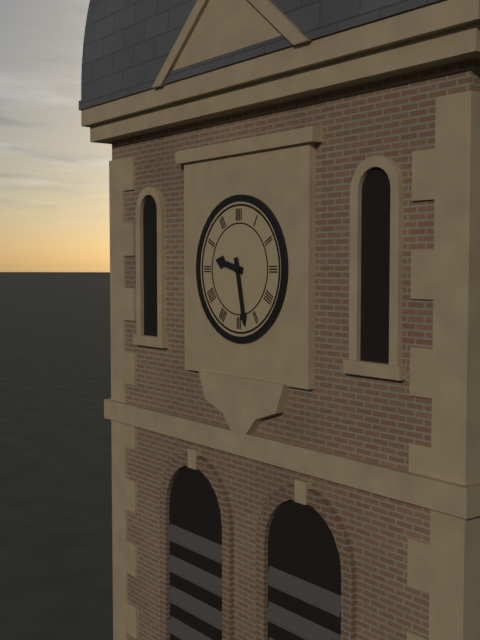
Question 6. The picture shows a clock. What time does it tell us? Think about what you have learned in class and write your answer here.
9:28
